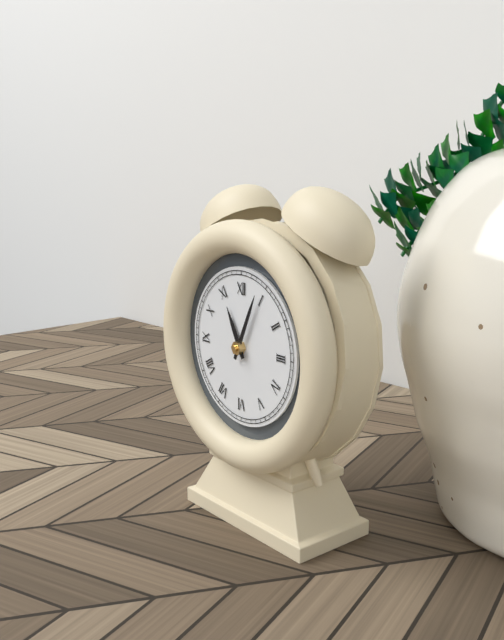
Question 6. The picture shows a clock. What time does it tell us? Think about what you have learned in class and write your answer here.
11:04
